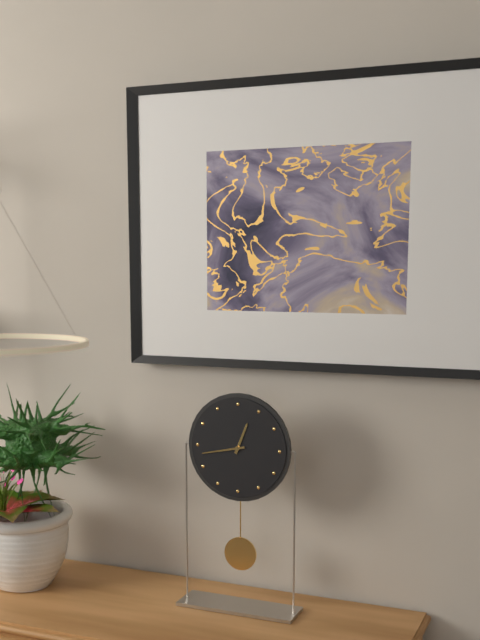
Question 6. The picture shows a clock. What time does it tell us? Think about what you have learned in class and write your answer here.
12:43
